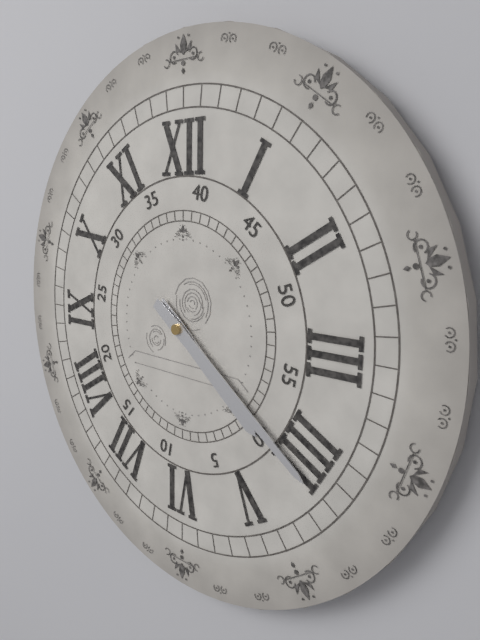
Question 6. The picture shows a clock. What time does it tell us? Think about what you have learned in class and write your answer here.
4:21
